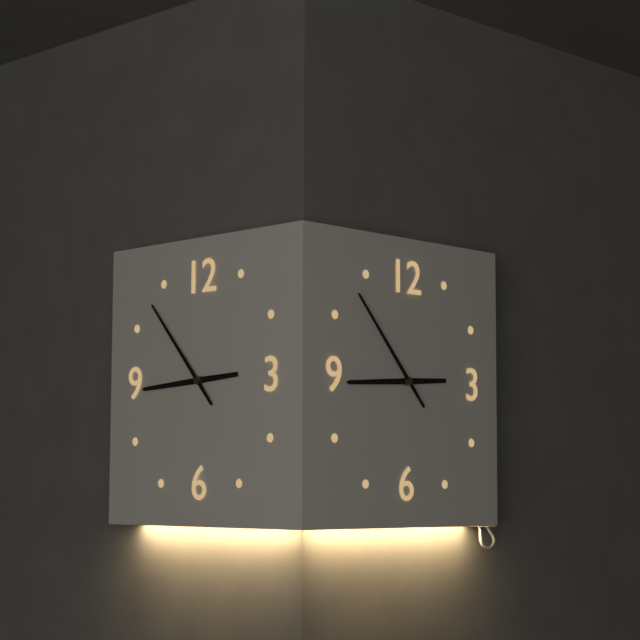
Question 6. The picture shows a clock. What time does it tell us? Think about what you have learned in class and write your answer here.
8:53
